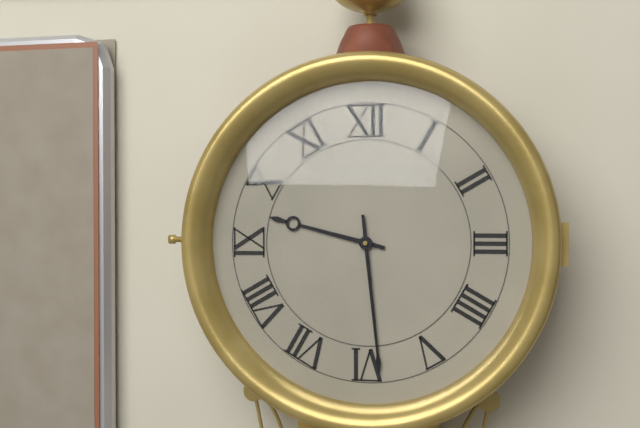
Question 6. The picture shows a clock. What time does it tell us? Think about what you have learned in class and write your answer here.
9:29
